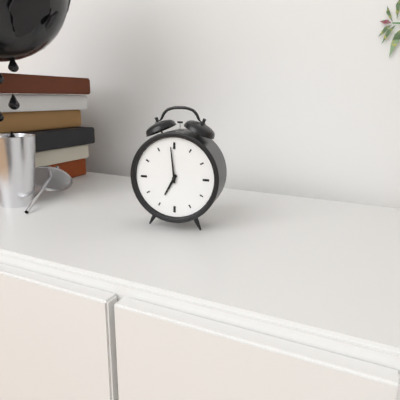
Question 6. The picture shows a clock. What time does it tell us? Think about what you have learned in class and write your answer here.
6:59
